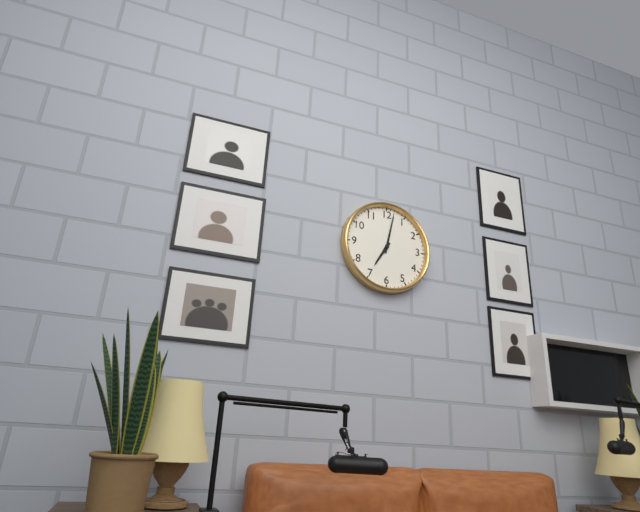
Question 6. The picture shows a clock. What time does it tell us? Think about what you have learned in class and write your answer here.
7:02
